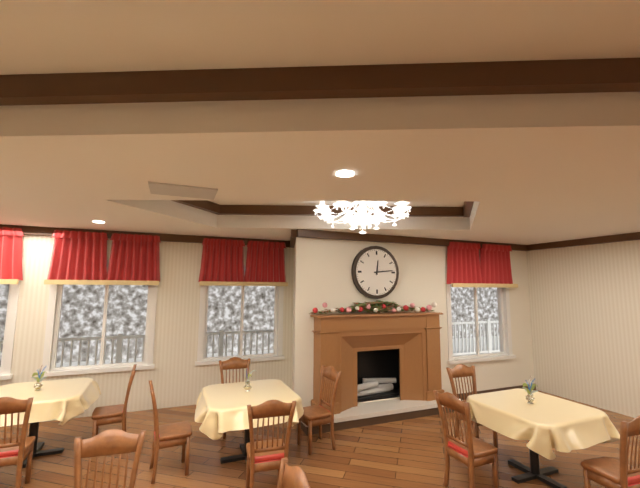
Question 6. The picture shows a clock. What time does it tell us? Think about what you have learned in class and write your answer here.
12:14
